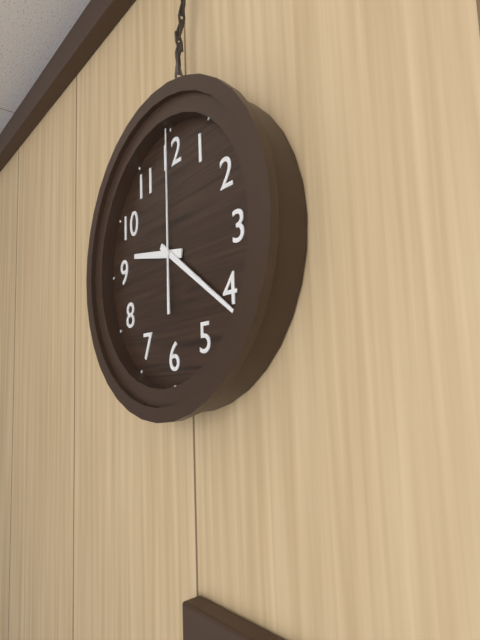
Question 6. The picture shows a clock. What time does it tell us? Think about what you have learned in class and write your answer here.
9:21:00
